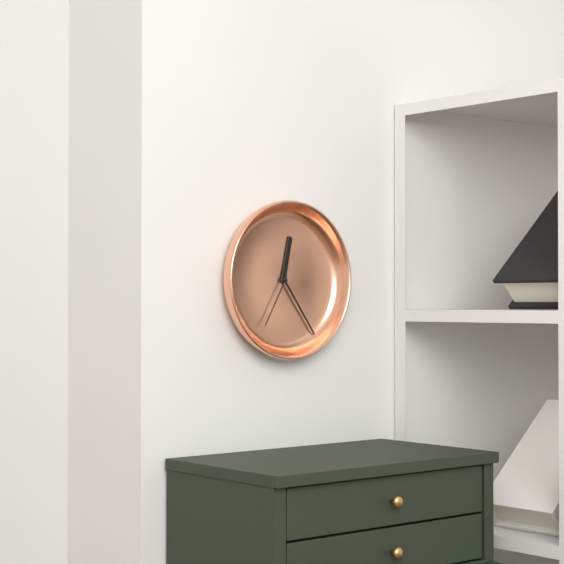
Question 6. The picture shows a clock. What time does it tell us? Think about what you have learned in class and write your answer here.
12:24:35
